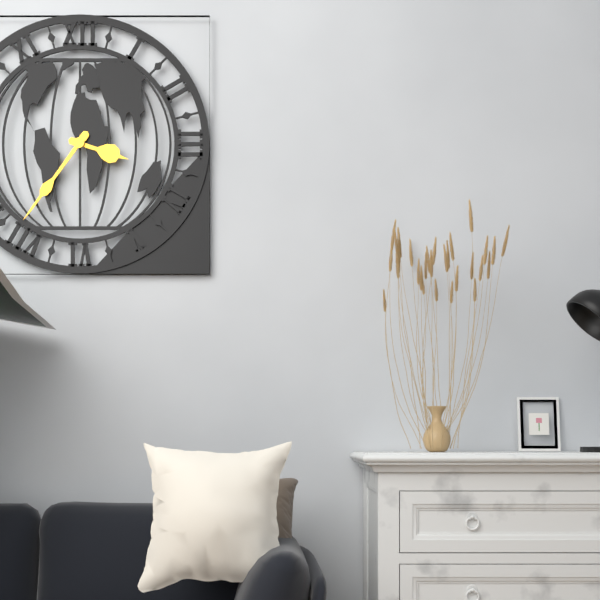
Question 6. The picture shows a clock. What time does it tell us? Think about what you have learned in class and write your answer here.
3:36
